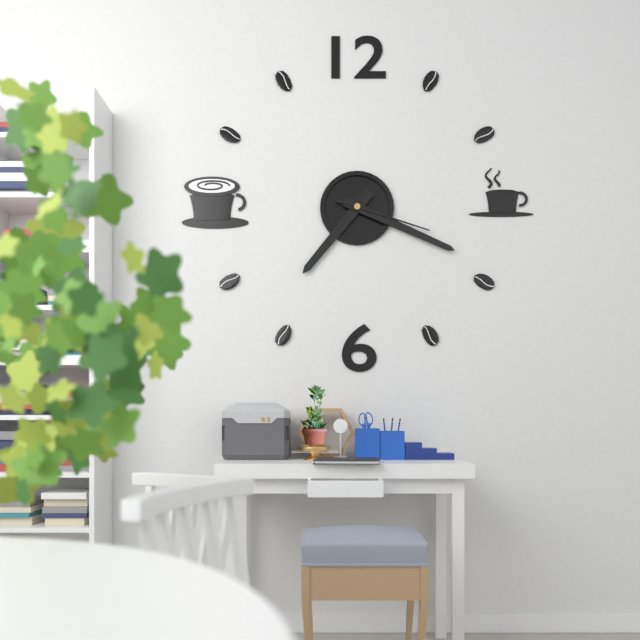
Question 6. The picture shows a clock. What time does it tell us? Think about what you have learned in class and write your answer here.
7:19:18
